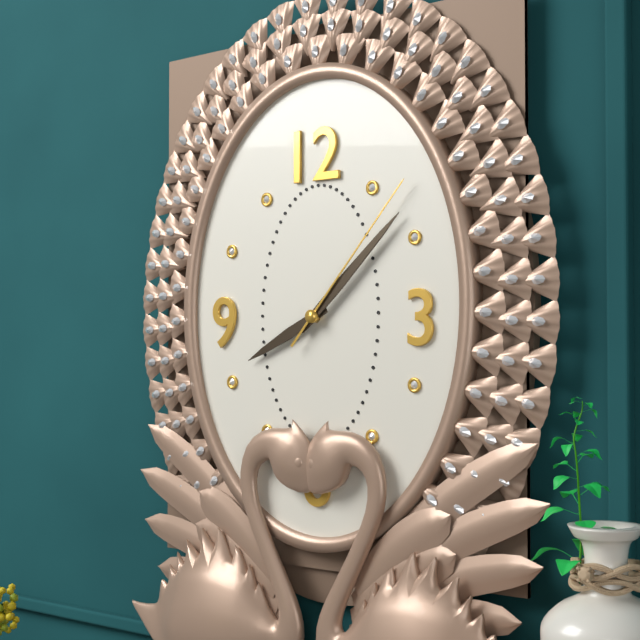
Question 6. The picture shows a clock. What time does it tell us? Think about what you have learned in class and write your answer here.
8:08:07
